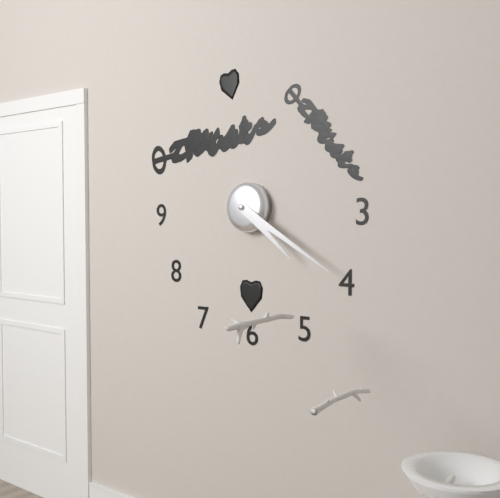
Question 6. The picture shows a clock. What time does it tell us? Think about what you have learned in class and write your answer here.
4:20
